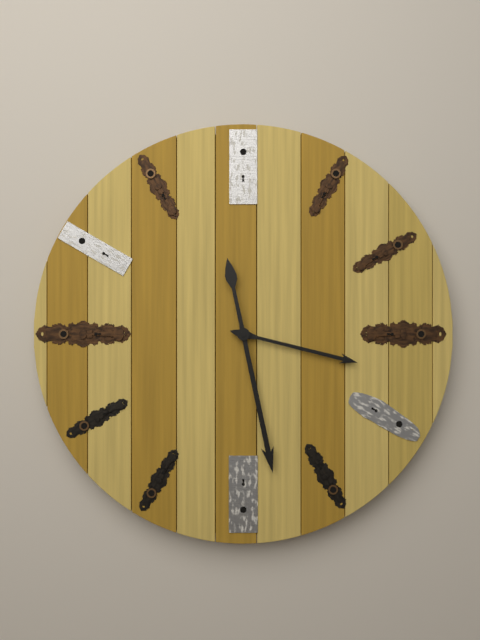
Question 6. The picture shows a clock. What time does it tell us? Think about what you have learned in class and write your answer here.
3:28
